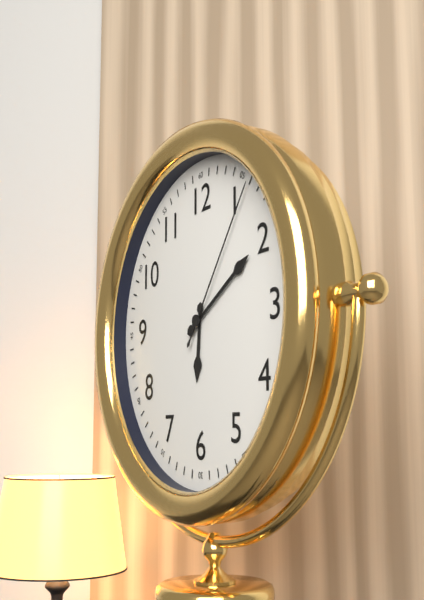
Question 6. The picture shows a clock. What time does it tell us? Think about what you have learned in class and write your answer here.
6:10:06
